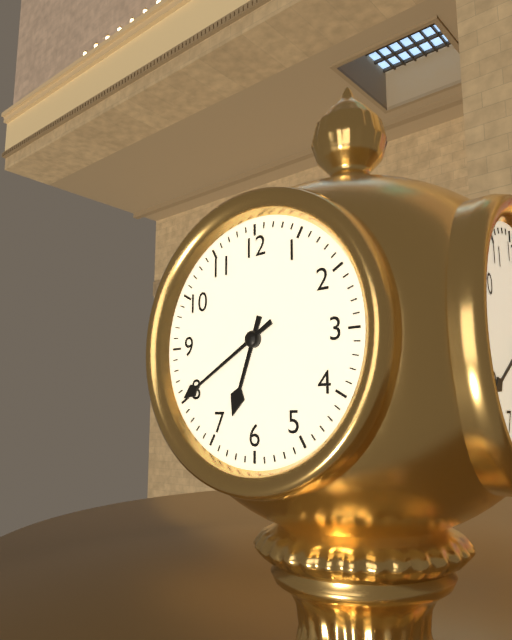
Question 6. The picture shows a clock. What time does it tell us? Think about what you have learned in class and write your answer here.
6:40
